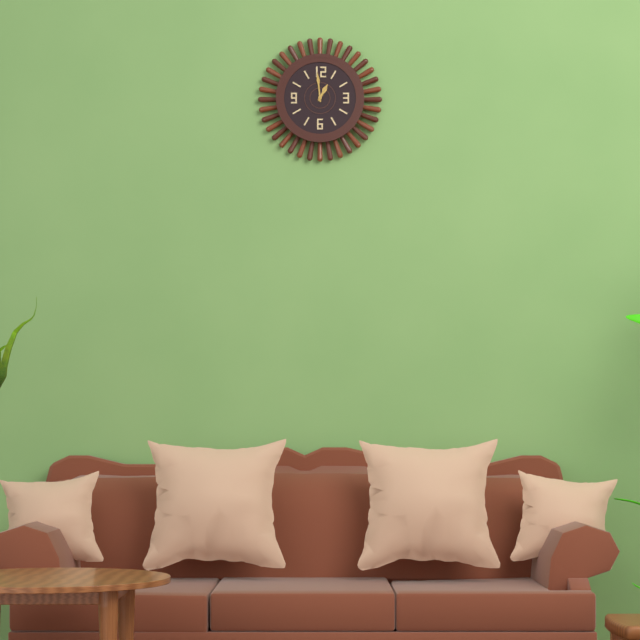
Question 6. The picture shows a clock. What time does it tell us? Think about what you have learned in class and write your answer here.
12:59
